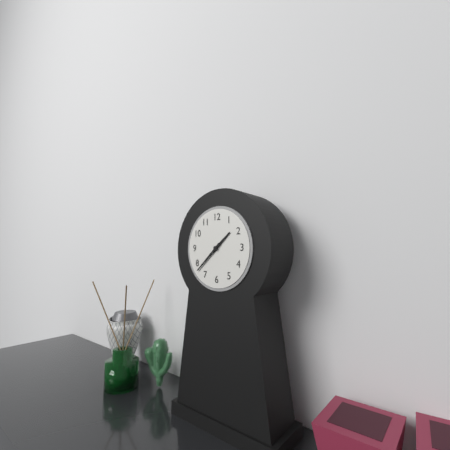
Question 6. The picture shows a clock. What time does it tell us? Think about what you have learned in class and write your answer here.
1:38
